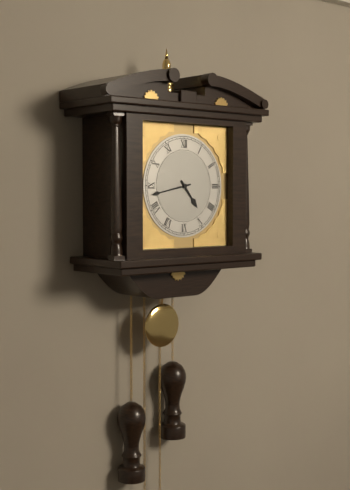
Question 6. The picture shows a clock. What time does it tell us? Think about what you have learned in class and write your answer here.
4:43
